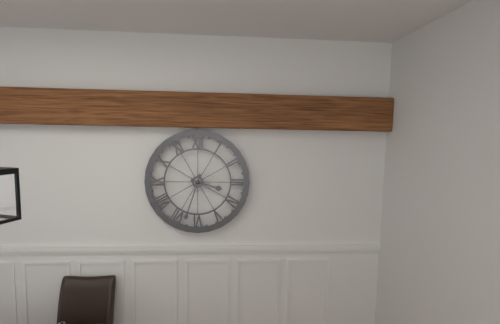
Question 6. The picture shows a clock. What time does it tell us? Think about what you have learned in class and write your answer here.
3:33
